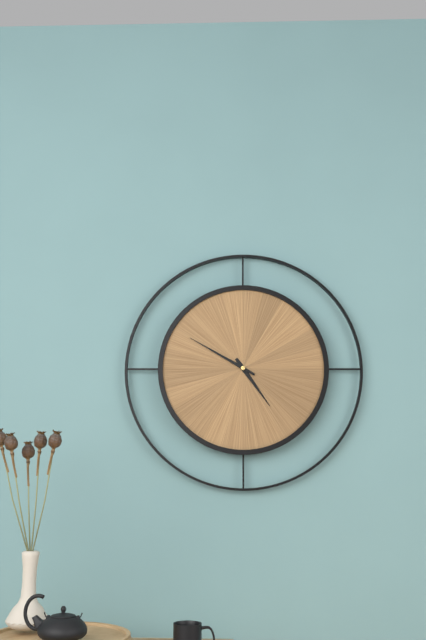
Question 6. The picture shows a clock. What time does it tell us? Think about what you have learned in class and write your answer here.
4:50
